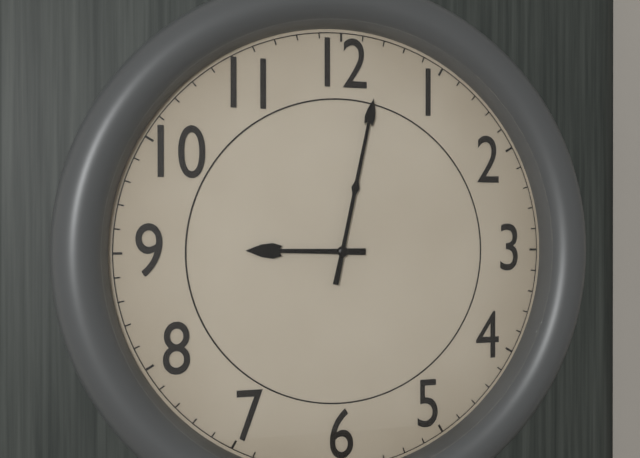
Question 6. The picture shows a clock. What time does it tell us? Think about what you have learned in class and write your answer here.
9:02
